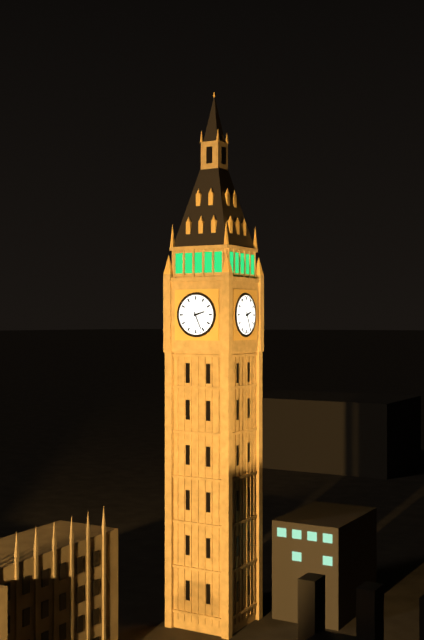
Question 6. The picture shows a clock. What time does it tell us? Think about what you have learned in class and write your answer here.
2:26
